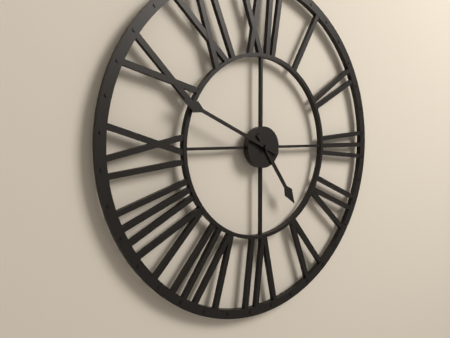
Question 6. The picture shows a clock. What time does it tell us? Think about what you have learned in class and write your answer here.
4:49
